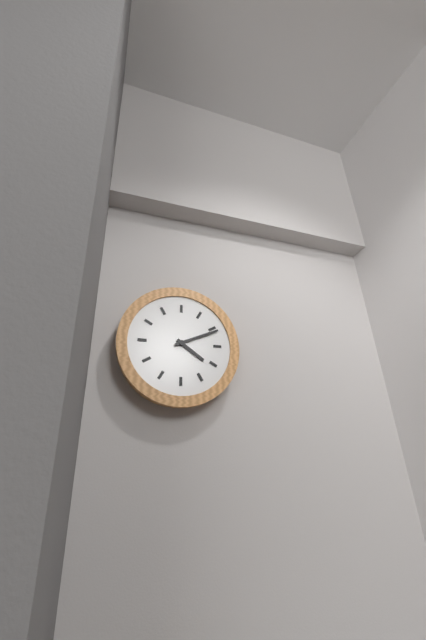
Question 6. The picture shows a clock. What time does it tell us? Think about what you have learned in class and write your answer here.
4:11
